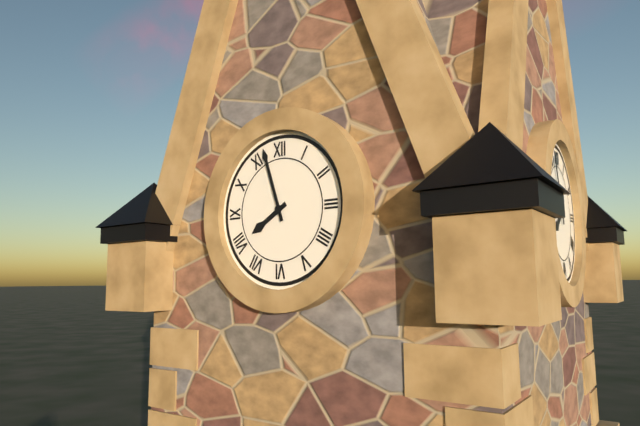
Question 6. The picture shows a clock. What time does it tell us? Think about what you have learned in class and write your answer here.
7:57
